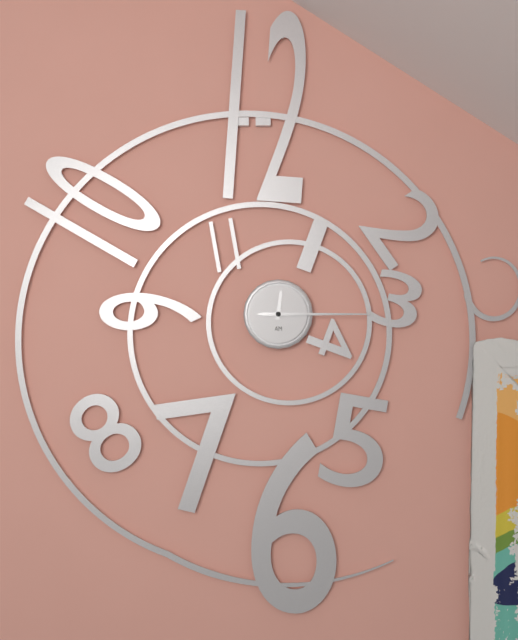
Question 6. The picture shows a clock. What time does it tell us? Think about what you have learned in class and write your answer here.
12:15:15
